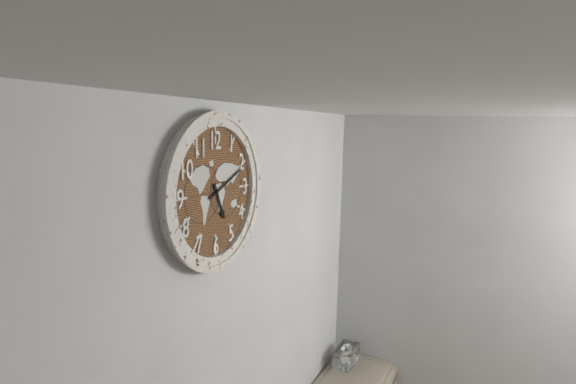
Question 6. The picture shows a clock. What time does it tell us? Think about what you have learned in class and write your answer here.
5:11
